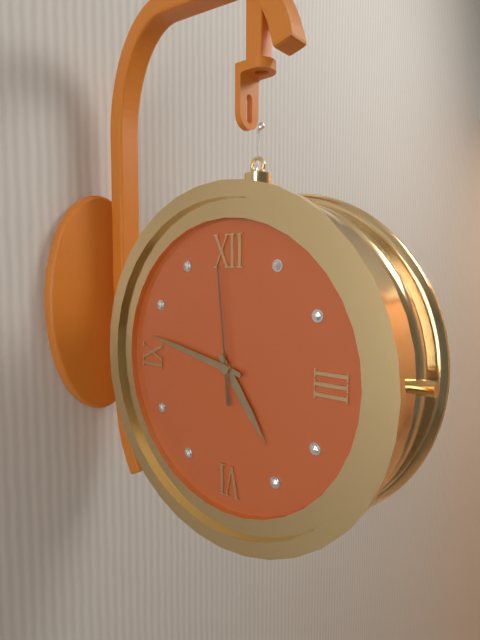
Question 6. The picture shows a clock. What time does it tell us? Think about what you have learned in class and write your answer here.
4:47:59
